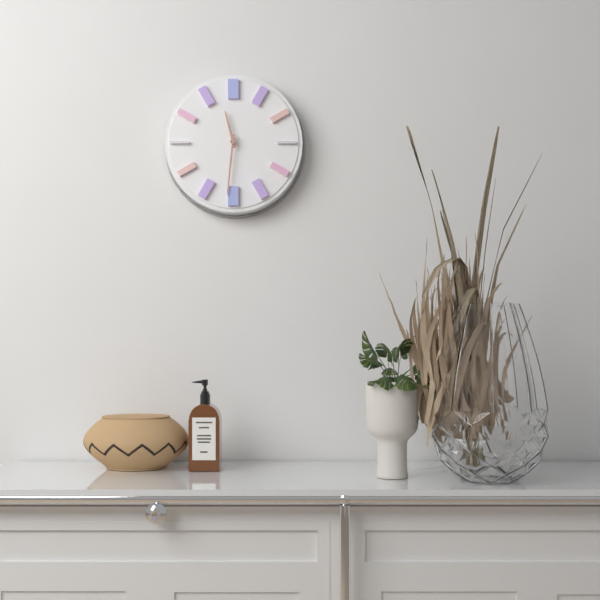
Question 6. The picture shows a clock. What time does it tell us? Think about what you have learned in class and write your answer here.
11:31
